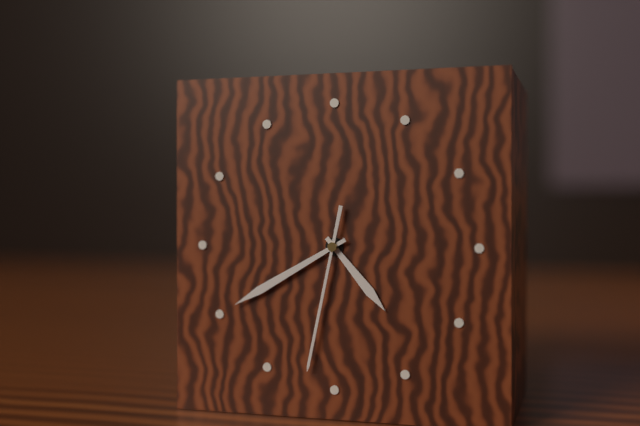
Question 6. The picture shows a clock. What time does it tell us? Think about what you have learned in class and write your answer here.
4:40:32
